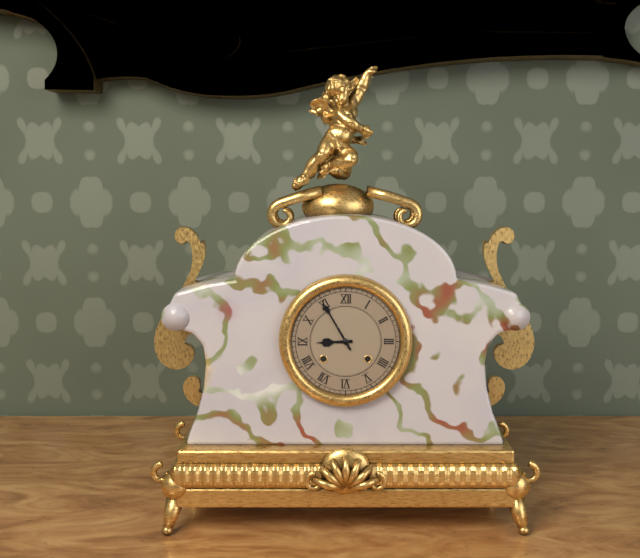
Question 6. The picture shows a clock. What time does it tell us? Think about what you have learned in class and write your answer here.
8:55
